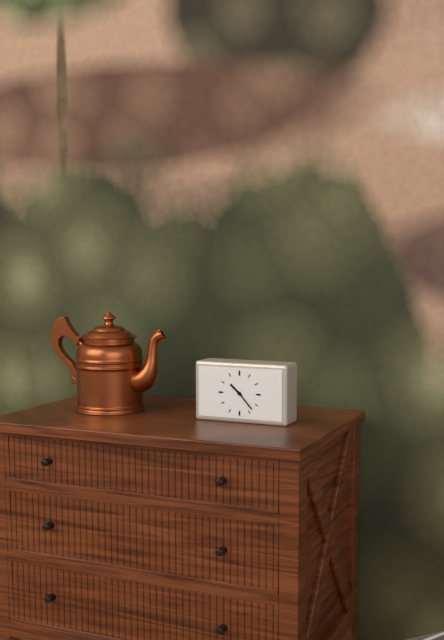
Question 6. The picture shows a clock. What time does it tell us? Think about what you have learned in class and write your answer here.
10:23
